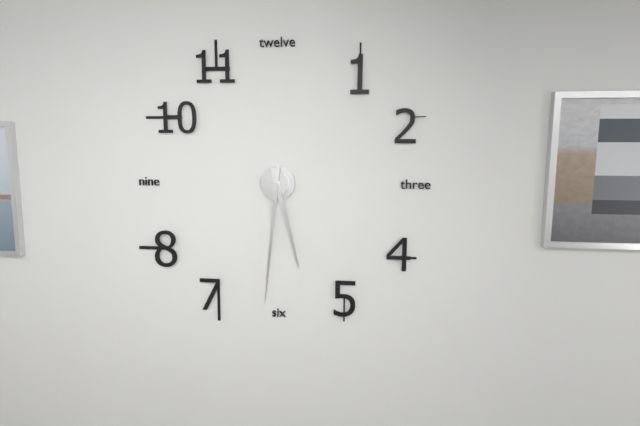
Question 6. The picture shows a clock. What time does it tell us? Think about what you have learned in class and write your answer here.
5:31
